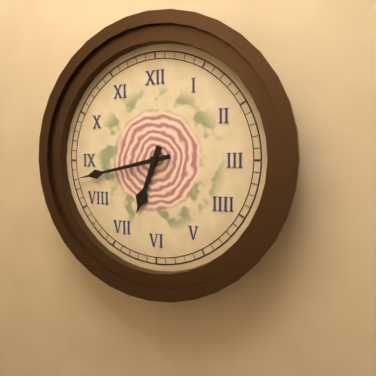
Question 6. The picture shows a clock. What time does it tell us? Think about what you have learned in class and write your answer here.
6:43
